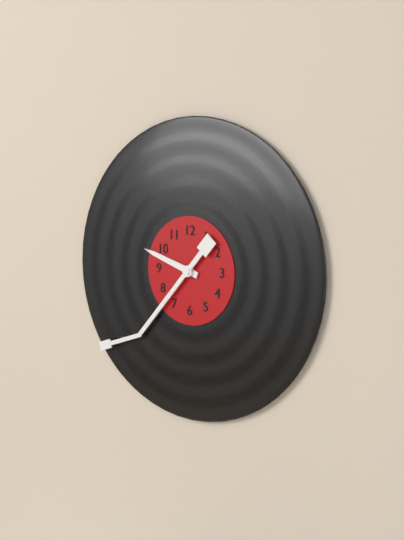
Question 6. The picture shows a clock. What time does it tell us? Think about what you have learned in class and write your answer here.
9:37
